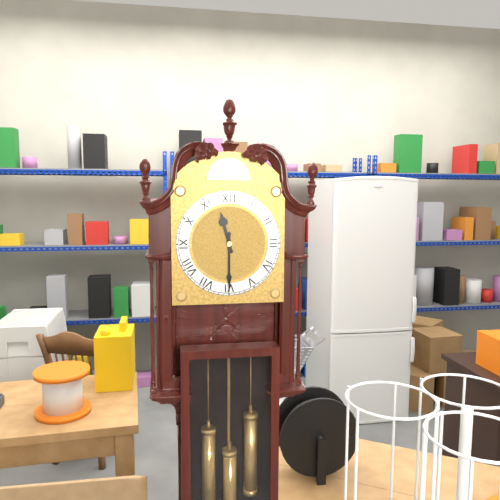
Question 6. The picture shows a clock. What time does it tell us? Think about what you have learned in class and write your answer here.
11:30
